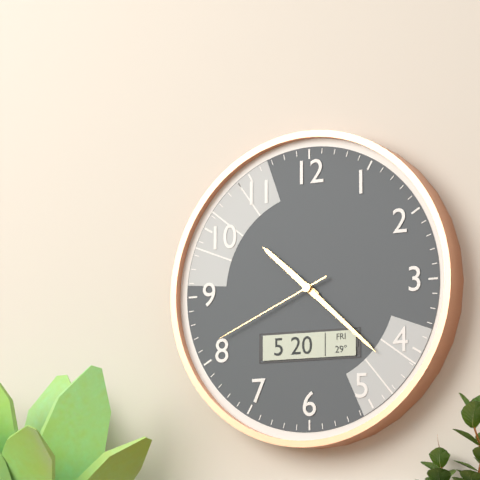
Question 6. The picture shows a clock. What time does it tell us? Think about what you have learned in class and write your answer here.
10:22:41
